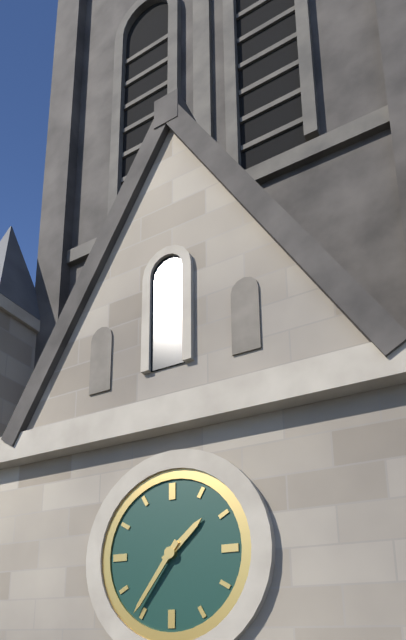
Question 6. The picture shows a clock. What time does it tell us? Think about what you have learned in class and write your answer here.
1:36
